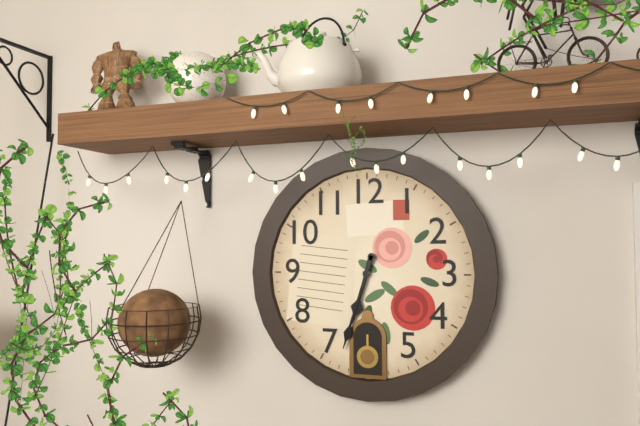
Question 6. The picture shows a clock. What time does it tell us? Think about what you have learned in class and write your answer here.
6:33
